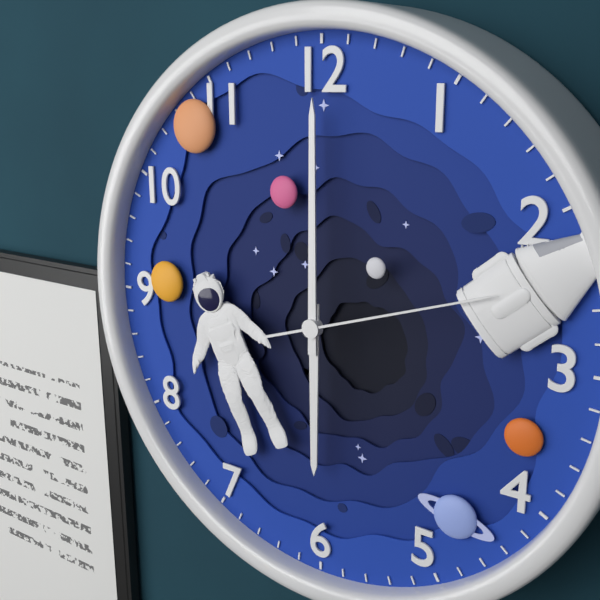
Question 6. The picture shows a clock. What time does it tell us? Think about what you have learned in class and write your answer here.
6:00:12
